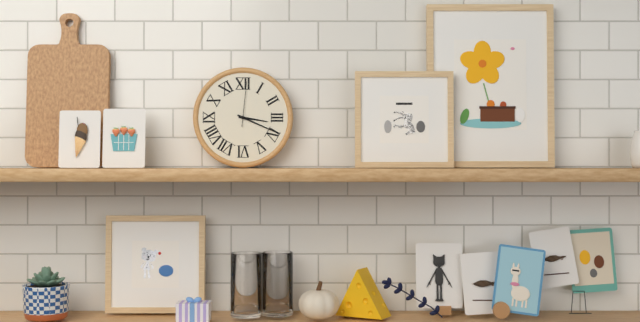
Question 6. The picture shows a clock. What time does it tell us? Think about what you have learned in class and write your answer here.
3:19
